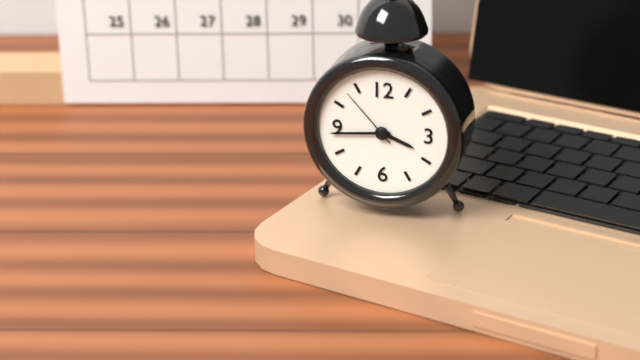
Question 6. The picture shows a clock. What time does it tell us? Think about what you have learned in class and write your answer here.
3:44:53
